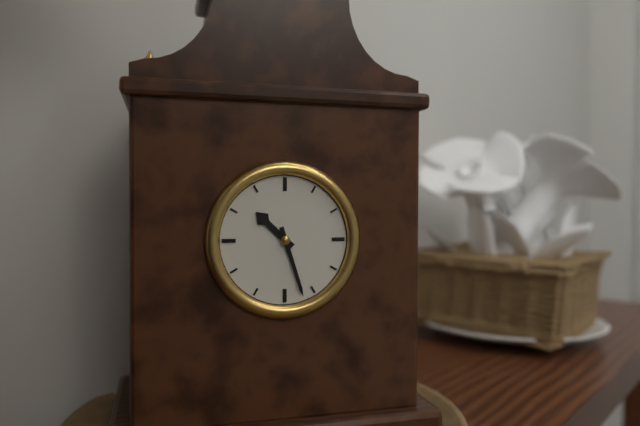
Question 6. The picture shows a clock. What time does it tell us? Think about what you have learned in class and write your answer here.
10:27
